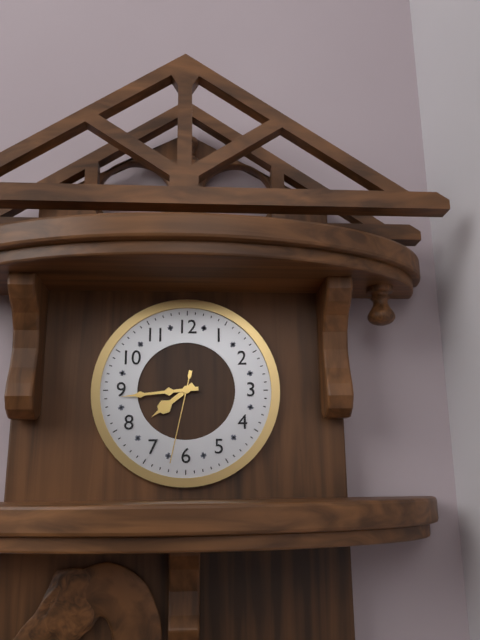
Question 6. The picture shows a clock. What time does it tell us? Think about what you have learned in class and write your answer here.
7:44:32
